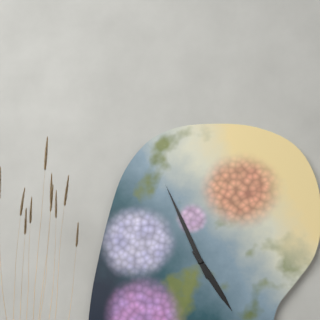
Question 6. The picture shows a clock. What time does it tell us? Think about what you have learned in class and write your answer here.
4:56
